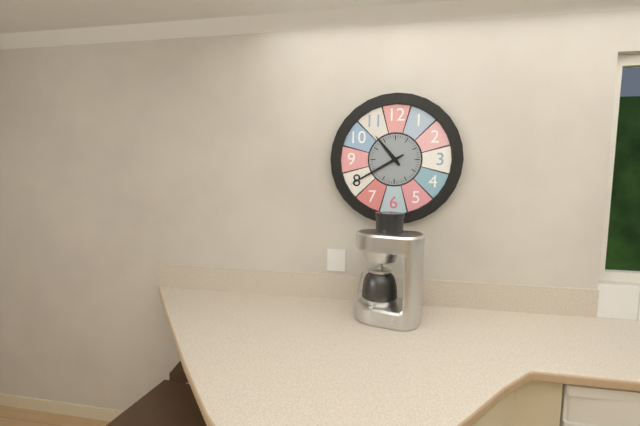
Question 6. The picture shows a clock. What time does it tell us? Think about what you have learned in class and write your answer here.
10:40
